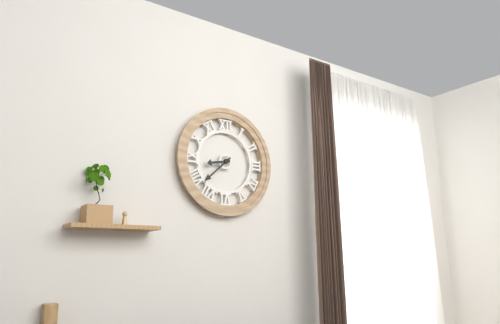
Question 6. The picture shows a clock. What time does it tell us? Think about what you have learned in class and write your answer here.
8:38
